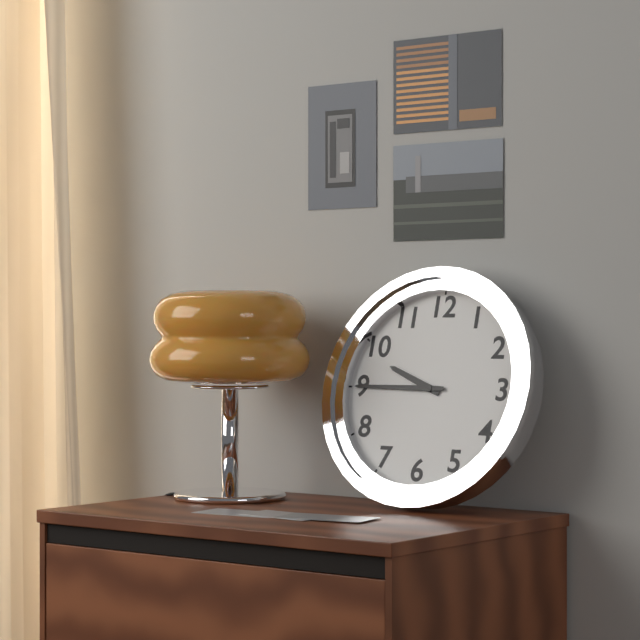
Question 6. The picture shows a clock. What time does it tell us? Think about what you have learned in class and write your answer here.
9:45
